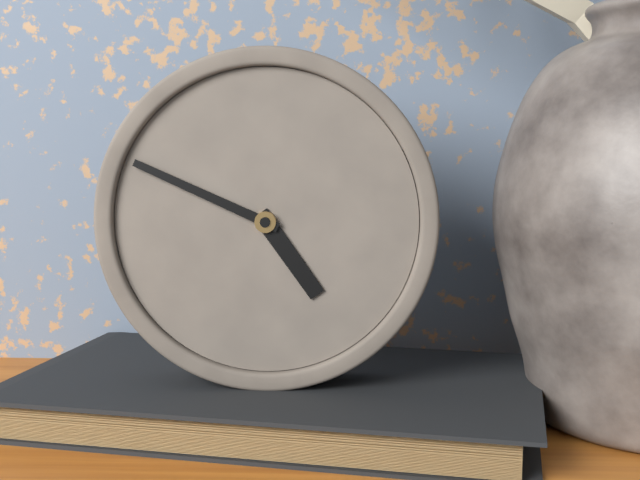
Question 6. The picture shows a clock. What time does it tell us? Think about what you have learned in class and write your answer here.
4:49
